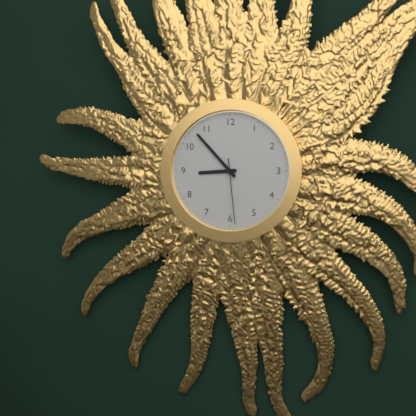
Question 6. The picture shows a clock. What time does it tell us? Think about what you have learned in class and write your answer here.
8:53:29
